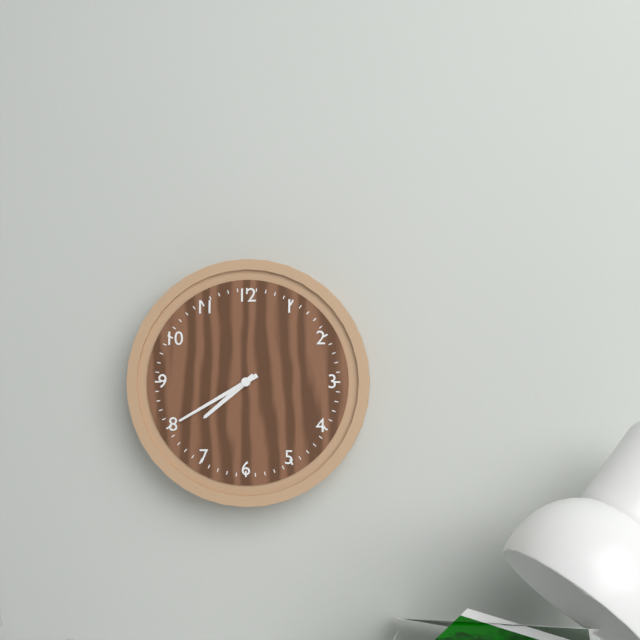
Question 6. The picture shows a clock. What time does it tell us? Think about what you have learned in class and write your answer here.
7:40
